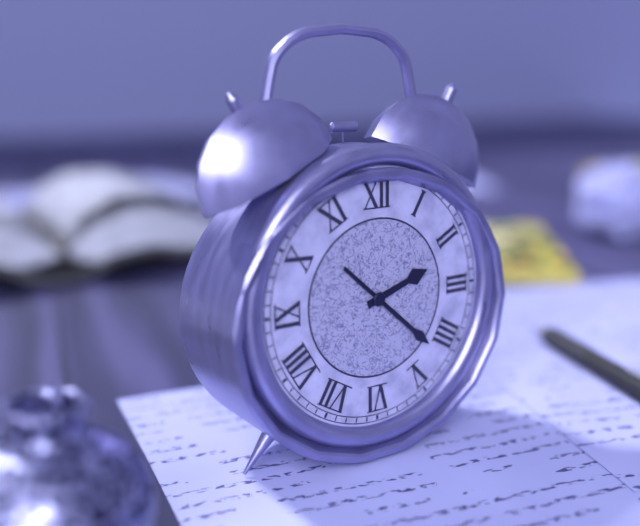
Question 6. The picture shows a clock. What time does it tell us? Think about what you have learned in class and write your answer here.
2:22
